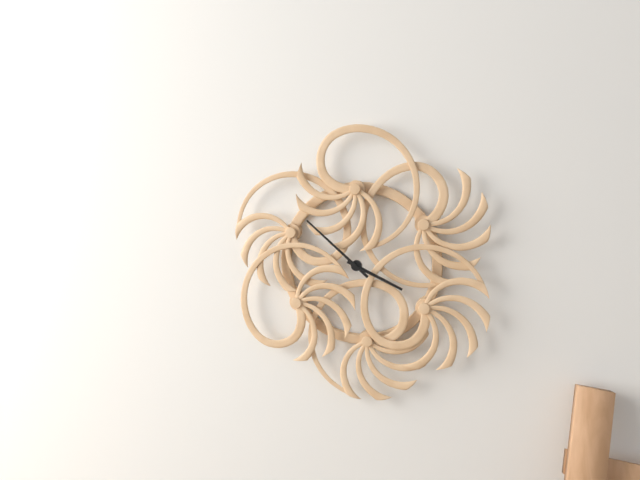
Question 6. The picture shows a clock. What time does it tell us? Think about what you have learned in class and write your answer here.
3:52
